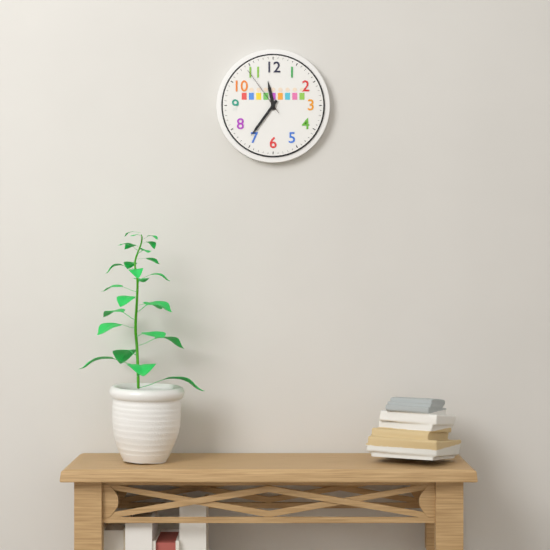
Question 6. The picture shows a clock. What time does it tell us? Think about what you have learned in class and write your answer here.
11:36:54
